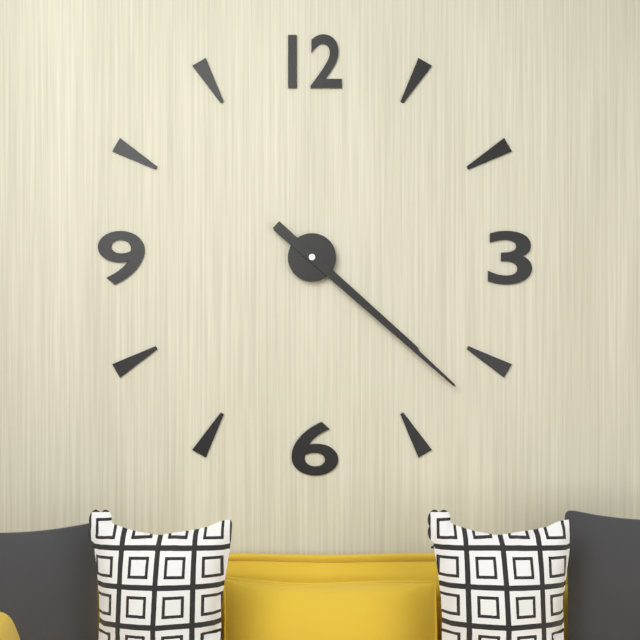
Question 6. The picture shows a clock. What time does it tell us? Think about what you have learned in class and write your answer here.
4:22
